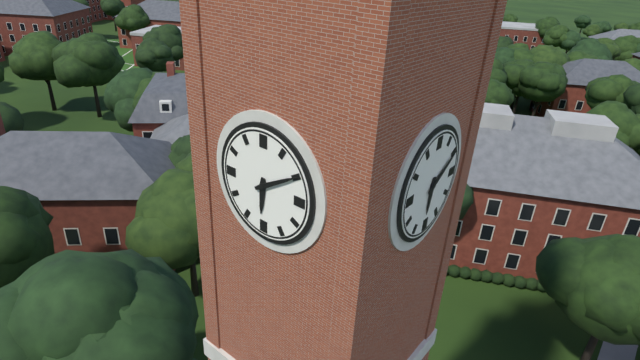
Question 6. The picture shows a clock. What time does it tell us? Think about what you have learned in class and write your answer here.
6:10
